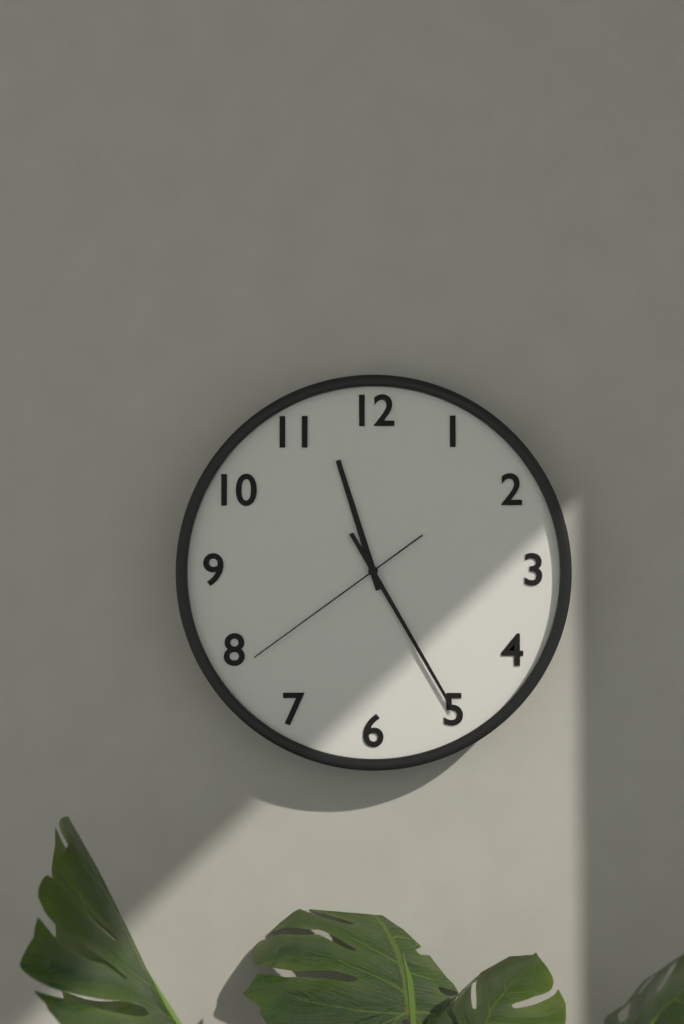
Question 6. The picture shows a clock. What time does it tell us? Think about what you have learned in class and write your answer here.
11:25:39
